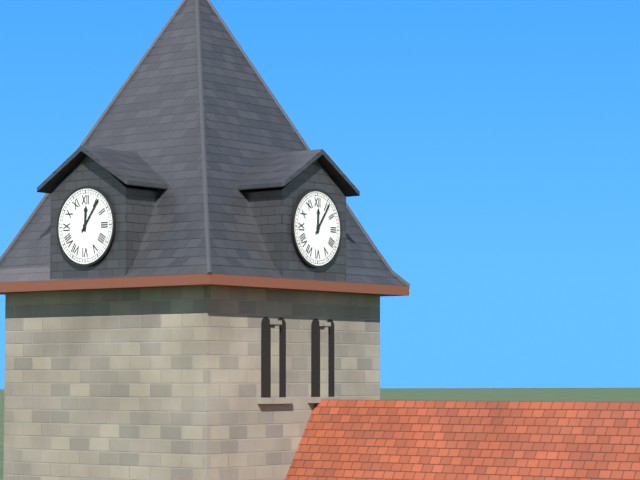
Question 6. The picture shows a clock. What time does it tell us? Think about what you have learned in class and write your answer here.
12:06
